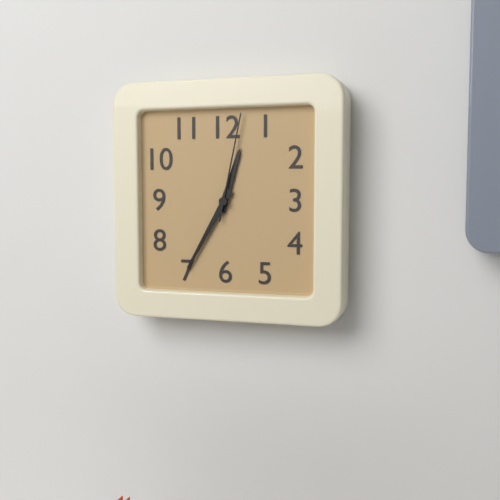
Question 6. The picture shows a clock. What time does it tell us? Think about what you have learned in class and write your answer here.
12:35:02
